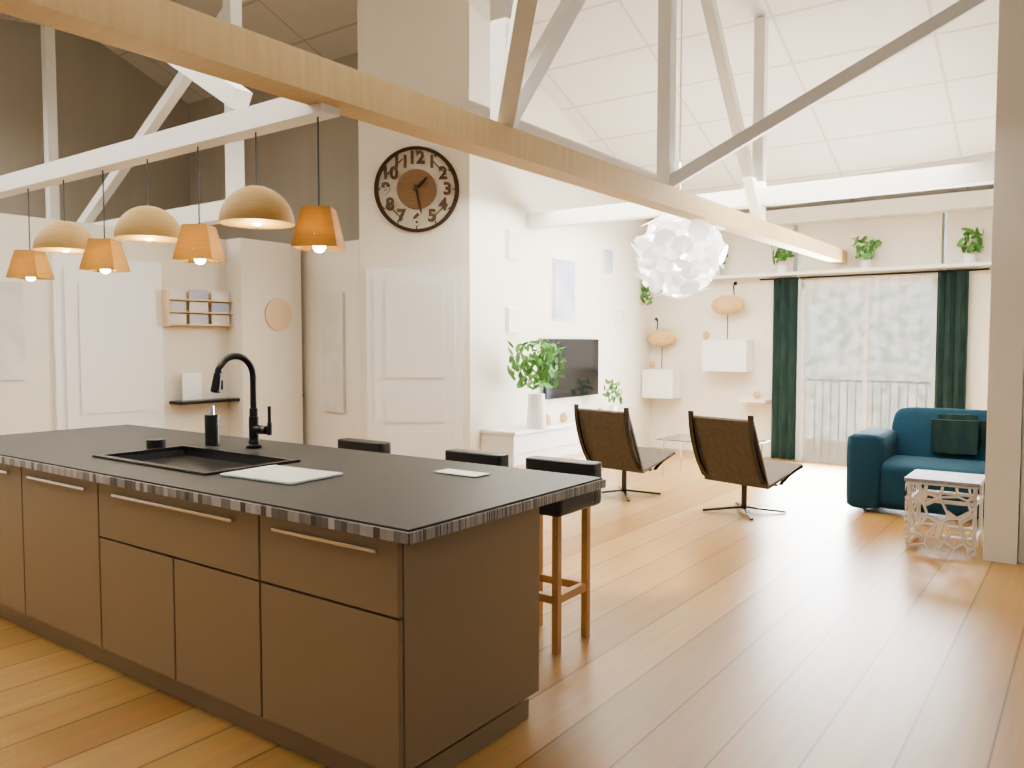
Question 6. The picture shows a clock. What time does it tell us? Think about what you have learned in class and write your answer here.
1:28
